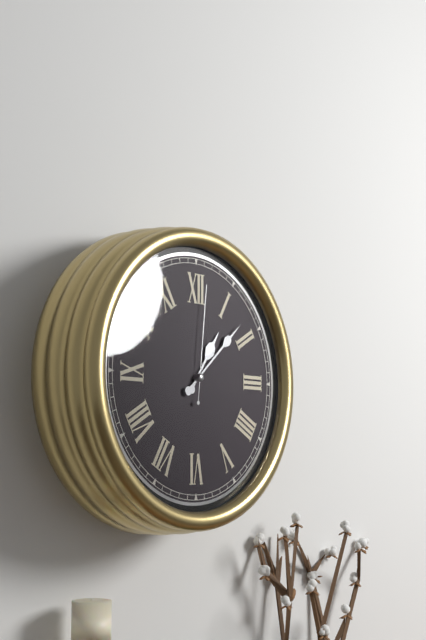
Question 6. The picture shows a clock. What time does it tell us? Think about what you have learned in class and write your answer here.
1:08:01
